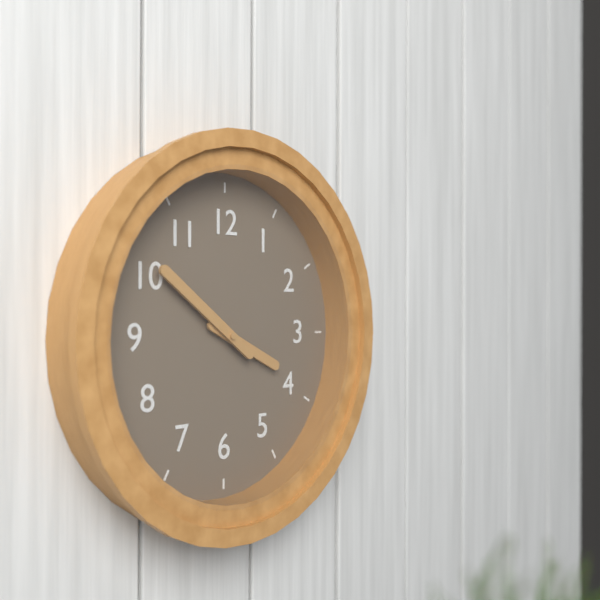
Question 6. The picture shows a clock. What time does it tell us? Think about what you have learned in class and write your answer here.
3:51
